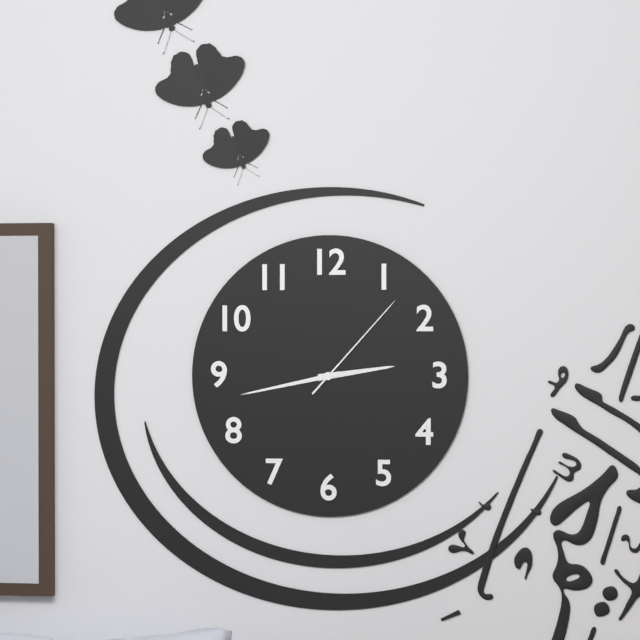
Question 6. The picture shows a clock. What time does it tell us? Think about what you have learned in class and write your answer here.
2:43:07
